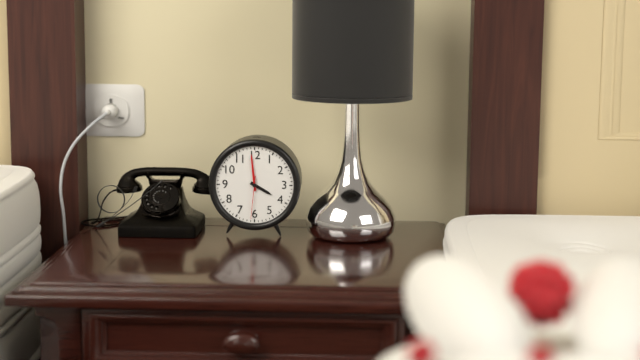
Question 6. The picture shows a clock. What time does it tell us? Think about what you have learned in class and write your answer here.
3:59
